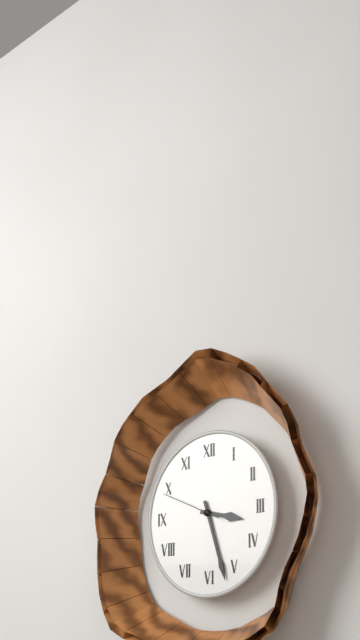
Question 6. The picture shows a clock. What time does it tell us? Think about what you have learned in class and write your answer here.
3:27:49
